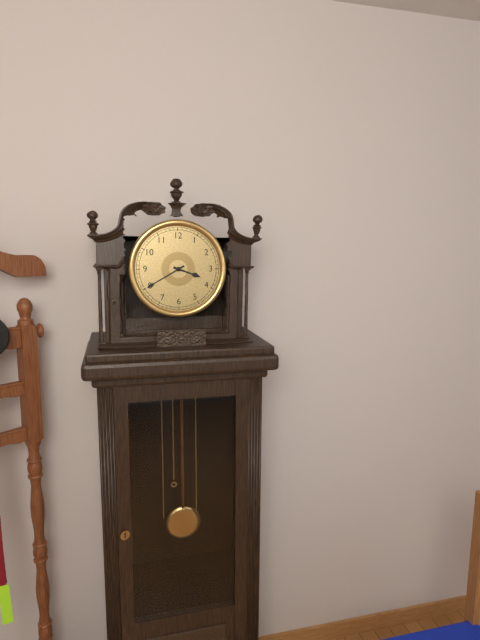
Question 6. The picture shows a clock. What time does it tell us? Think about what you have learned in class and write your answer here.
3:40
